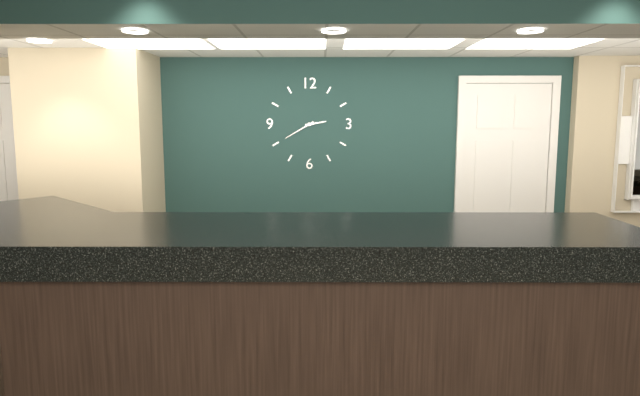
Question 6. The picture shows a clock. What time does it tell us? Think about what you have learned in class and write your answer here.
2:40
